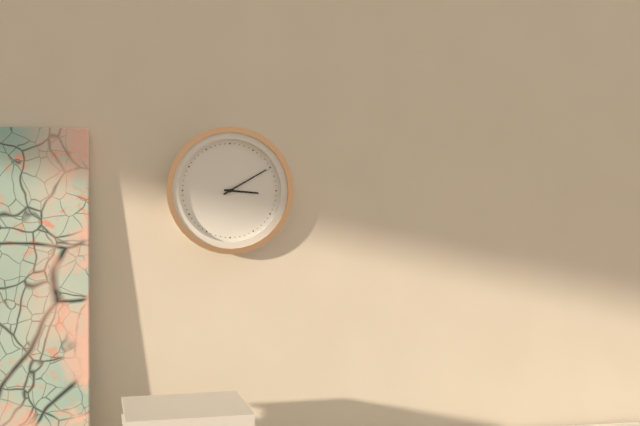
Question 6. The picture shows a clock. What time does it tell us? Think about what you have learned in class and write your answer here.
3:10
